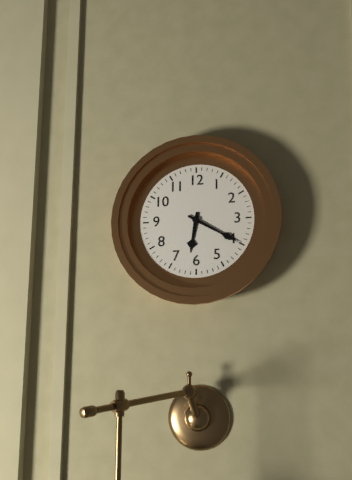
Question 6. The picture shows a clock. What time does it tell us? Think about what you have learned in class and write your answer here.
6:20
